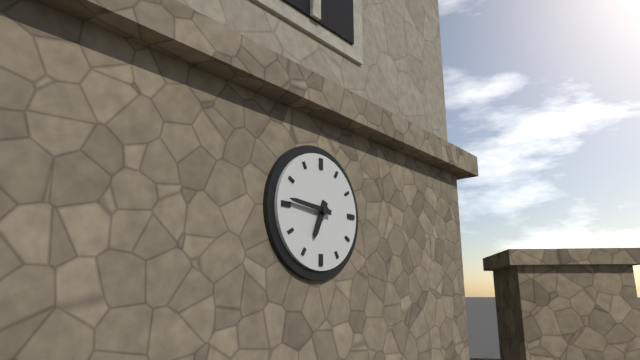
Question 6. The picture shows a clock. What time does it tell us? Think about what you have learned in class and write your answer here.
6:46
